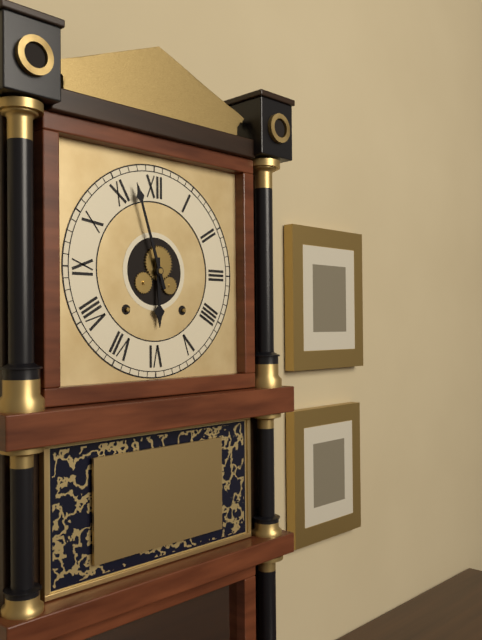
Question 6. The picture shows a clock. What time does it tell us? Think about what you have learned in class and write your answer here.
5:57
